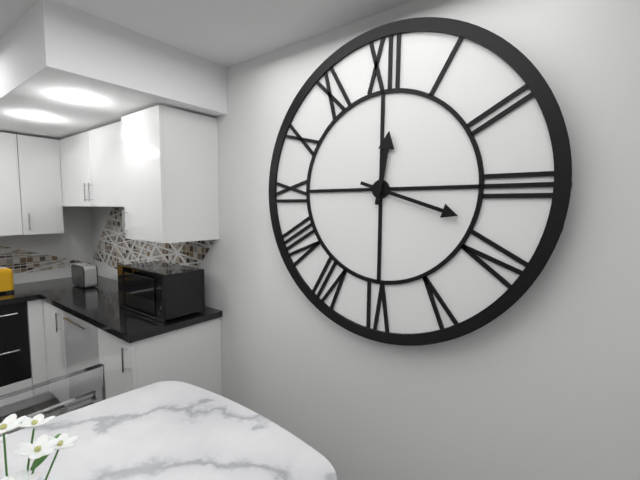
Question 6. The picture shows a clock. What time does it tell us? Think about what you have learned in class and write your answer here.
12:18
